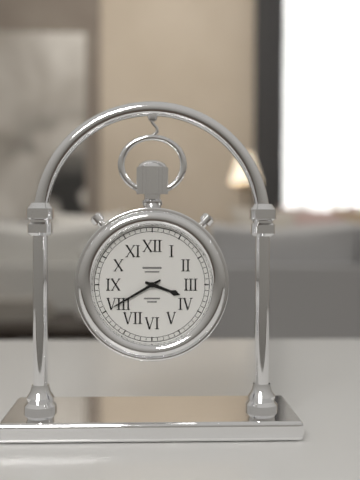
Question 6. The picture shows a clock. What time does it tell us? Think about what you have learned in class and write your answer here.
3:40
